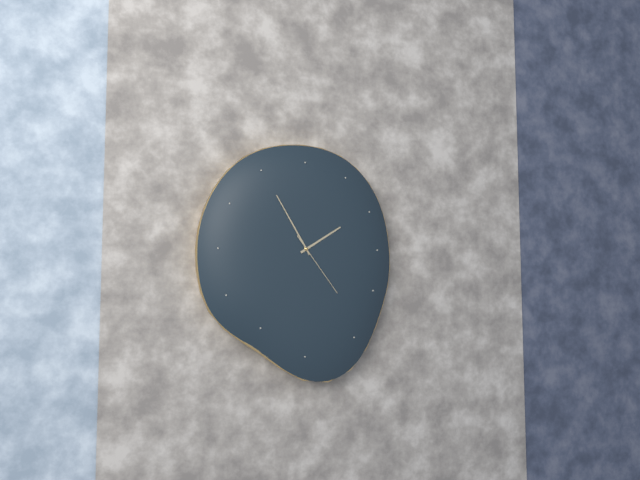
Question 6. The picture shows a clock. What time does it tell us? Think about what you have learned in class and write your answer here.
1:55:24
